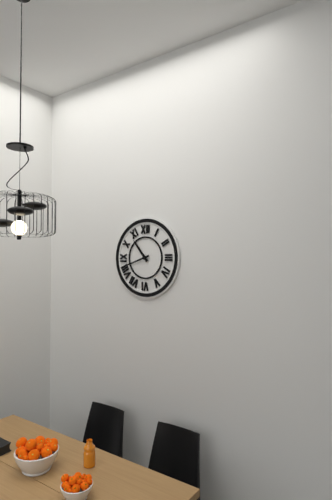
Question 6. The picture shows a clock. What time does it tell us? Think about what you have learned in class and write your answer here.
10:42
